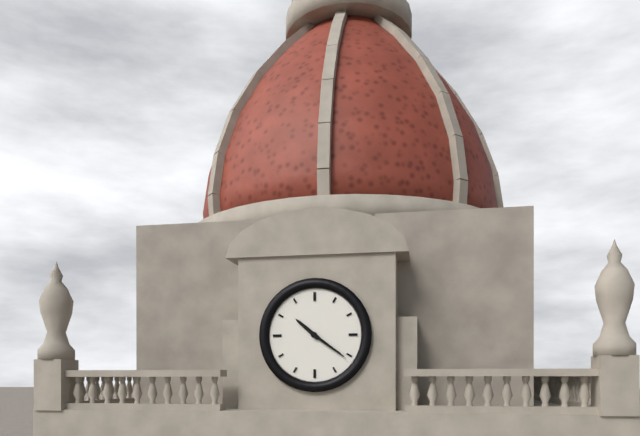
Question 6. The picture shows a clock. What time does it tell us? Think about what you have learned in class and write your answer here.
10:21
